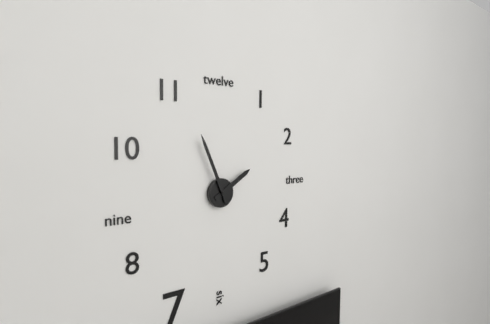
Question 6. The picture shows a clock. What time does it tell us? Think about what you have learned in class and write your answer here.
1:56
